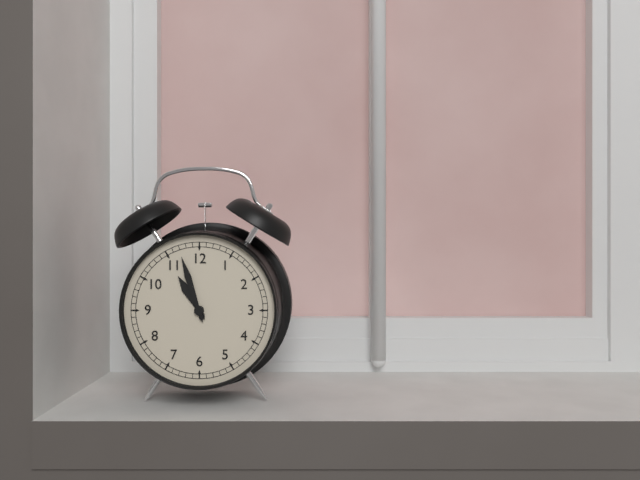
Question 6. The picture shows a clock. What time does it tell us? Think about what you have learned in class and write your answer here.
10:57
